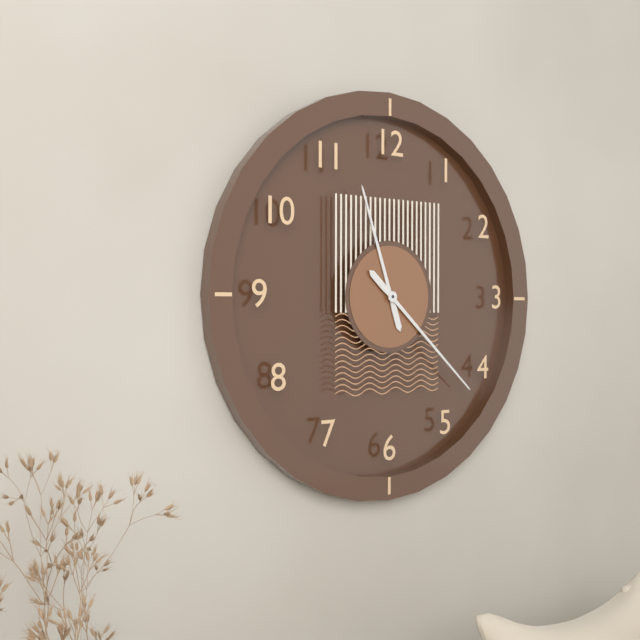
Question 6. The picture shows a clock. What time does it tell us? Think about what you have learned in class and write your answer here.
11:22
